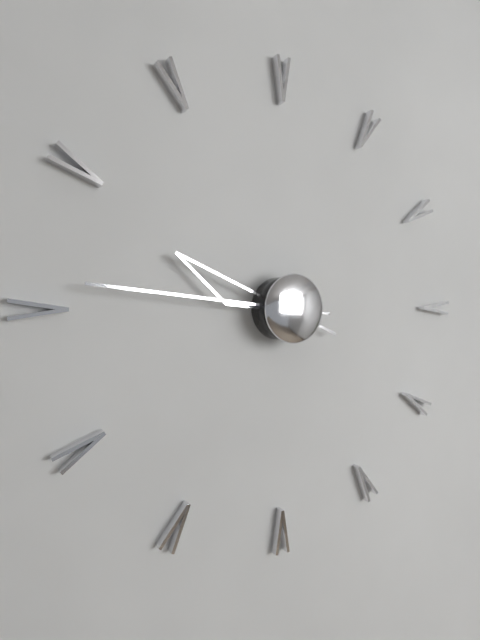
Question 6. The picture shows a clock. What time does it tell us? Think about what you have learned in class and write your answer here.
9:46
